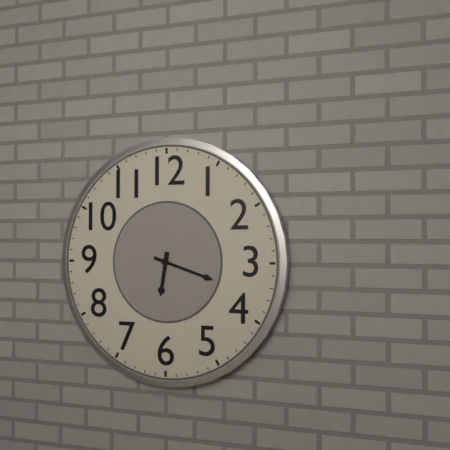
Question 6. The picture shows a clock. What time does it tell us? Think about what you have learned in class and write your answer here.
6:18
